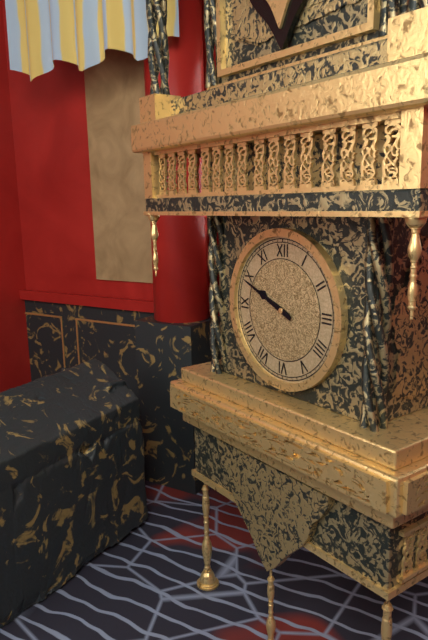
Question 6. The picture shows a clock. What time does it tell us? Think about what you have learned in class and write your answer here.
9:49
